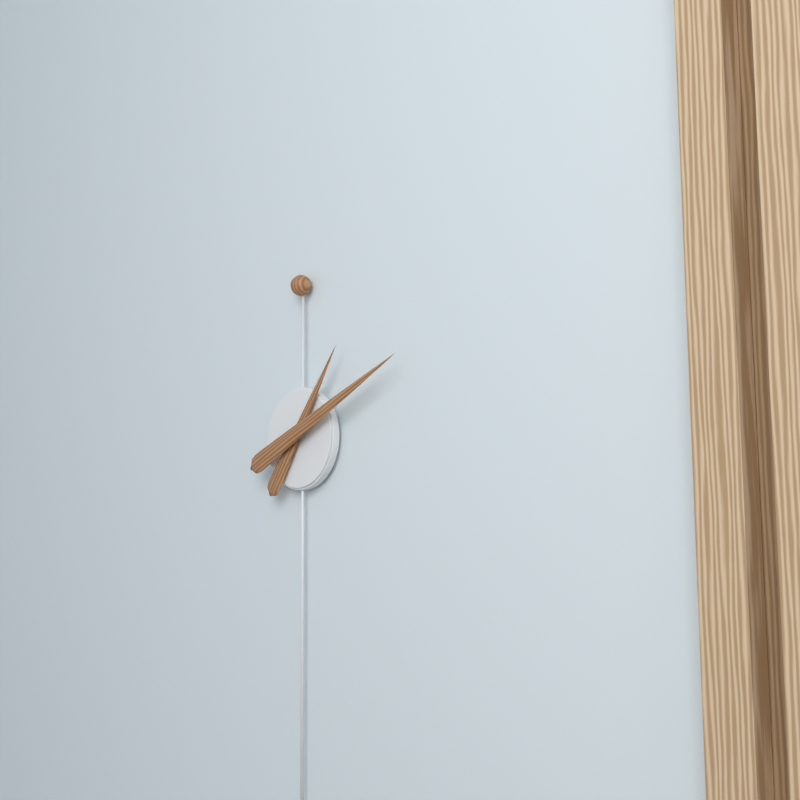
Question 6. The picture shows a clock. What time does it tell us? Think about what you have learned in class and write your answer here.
1:11
